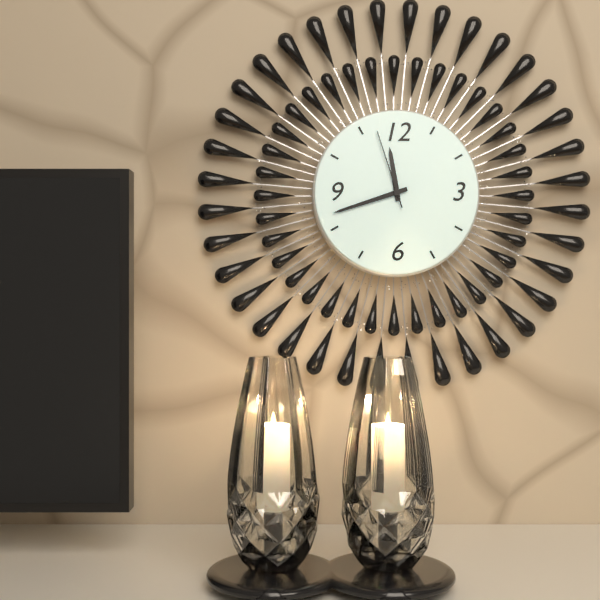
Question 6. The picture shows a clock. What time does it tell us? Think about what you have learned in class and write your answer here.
11:42:57
